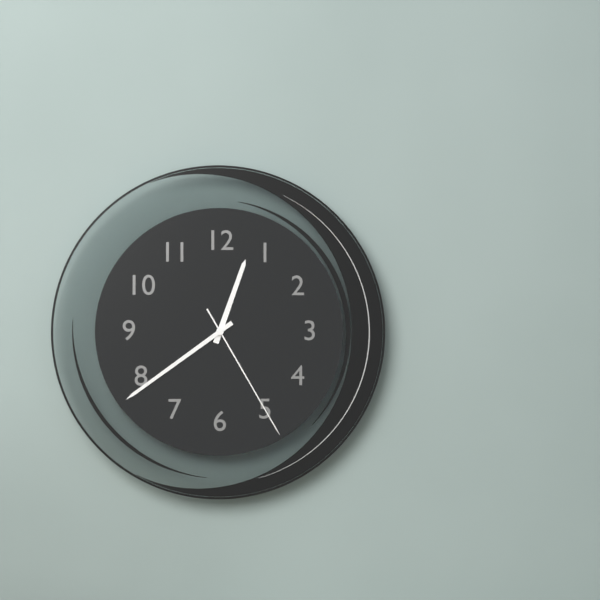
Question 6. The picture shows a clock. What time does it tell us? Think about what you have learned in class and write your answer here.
12:39:25
